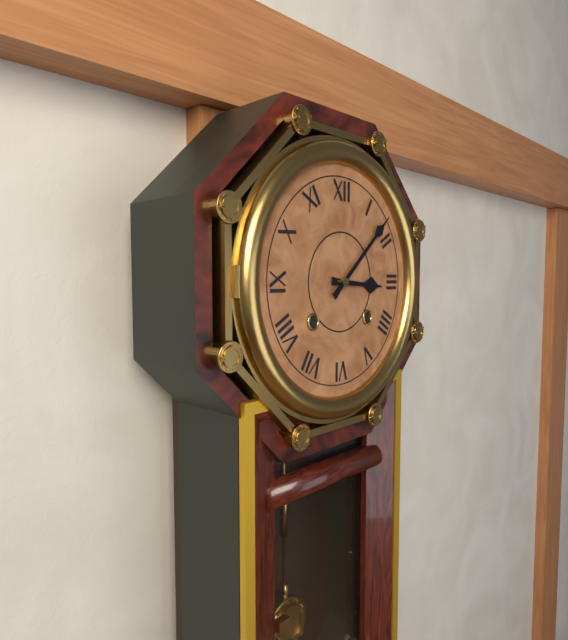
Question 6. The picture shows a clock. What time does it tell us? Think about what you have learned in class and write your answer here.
3:08
